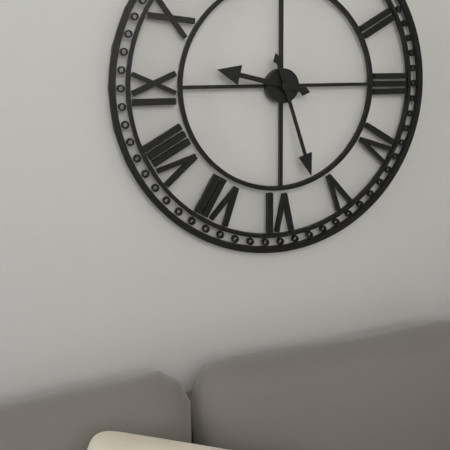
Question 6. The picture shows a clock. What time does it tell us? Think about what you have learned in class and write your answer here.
9:27
